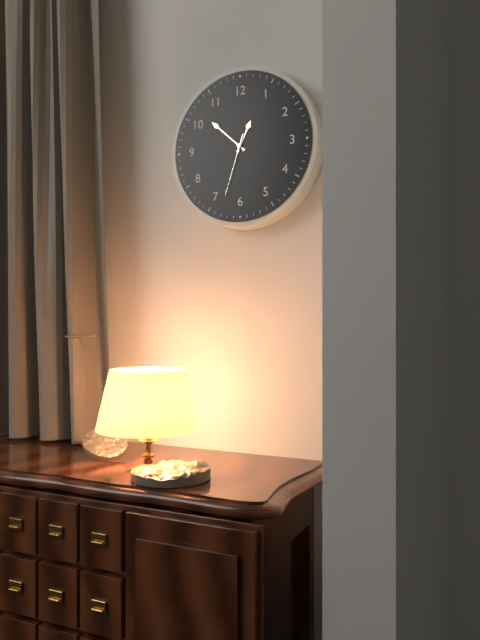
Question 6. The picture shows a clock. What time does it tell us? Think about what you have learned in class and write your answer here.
12:52:33
